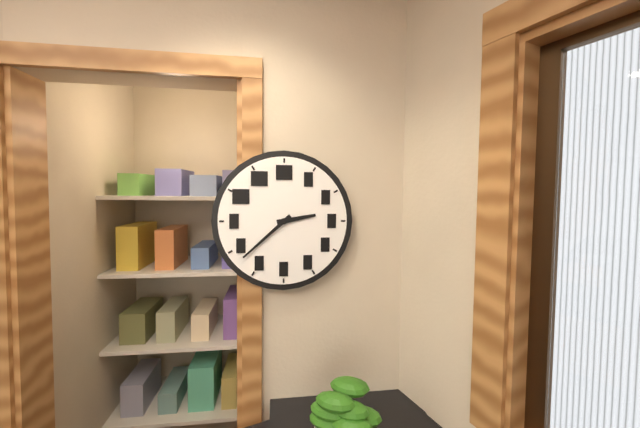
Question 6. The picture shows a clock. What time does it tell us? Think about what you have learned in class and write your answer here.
2:38
